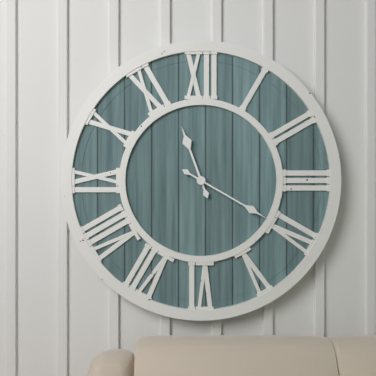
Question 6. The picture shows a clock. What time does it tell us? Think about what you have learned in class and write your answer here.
11:20
